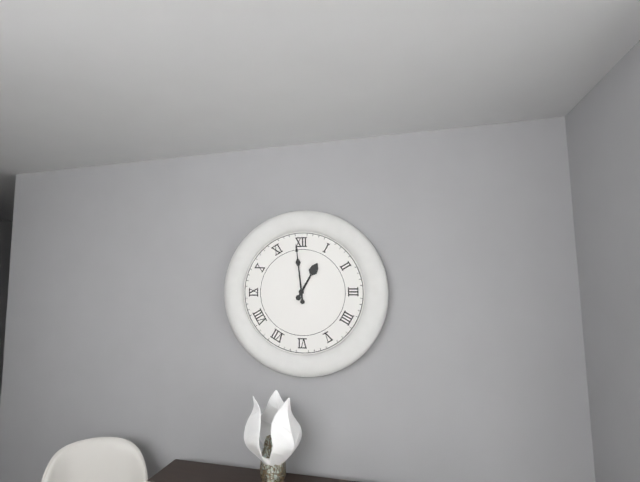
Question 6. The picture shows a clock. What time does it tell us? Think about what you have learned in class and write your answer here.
12:59
